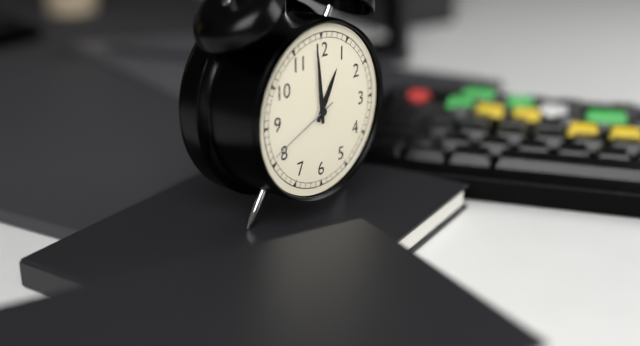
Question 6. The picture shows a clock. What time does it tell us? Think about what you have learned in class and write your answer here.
12:59:41
